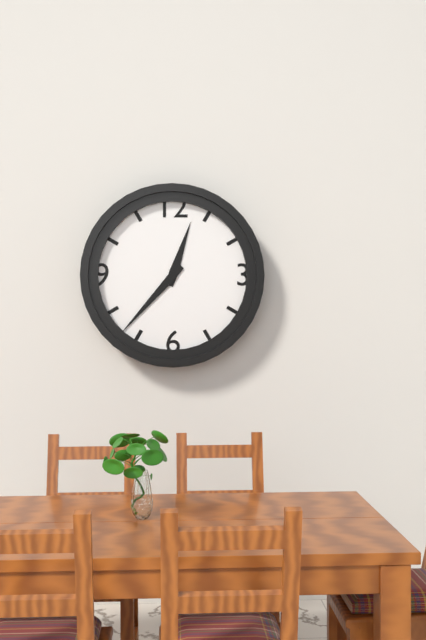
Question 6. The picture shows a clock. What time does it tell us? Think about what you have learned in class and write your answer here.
12:37
